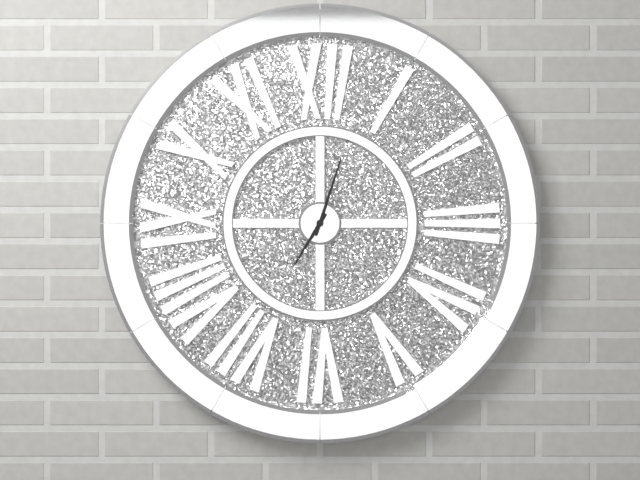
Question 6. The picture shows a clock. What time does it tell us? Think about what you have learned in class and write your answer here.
7:03
